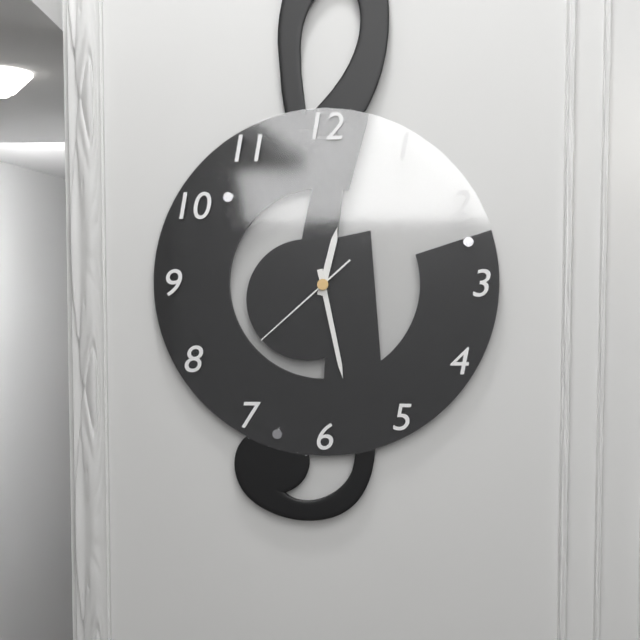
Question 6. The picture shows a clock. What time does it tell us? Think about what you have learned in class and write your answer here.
12:28:38
